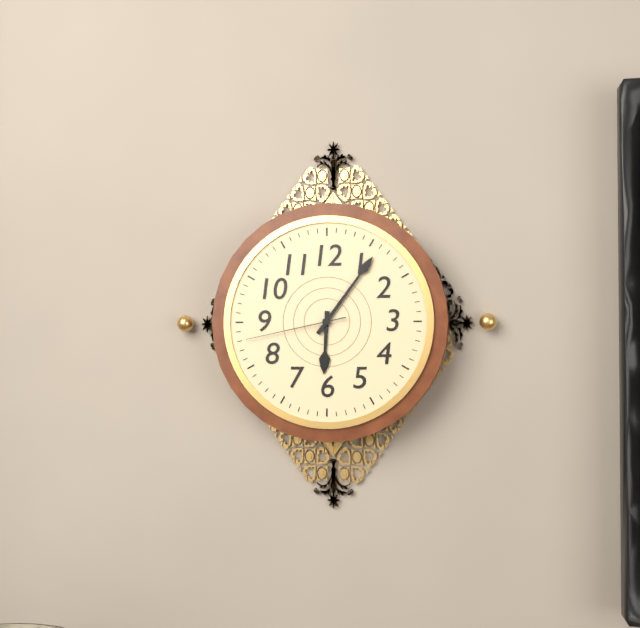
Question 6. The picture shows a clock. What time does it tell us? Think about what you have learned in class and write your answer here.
6:06:43
